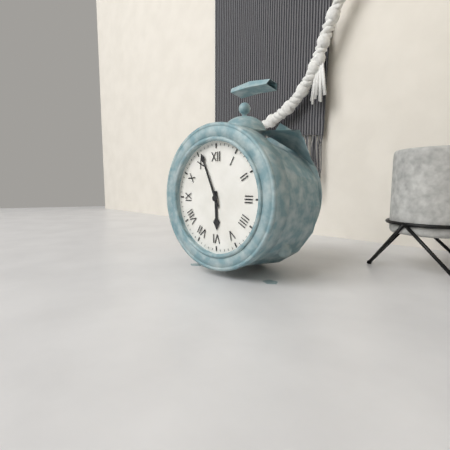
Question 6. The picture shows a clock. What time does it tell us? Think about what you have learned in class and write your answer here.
5:56
